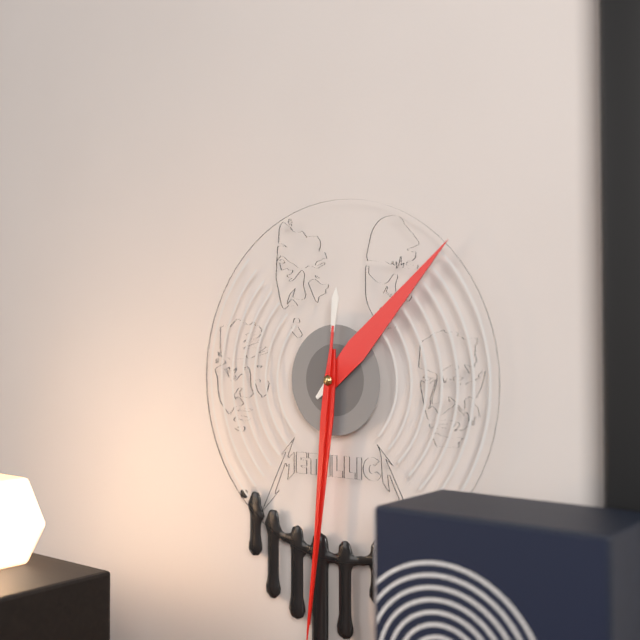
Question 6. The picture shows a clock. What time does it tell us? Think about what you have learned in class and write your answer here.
1:31
